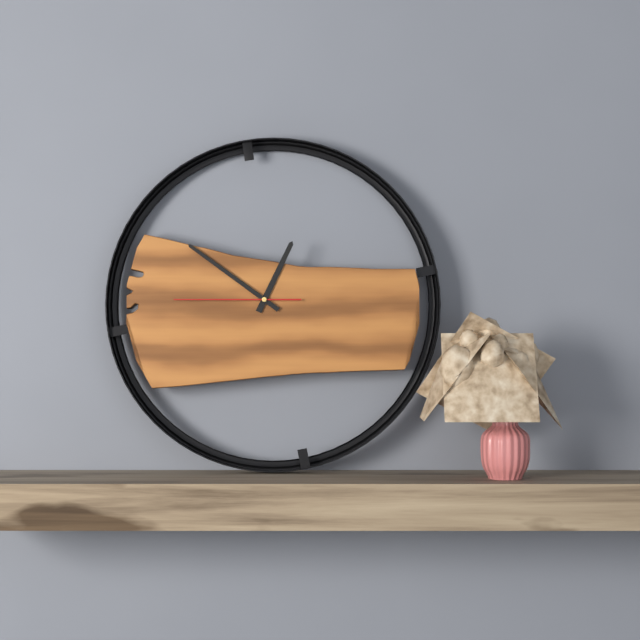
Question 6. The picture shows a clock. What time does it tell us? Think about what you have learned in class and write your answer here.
12:51:45
